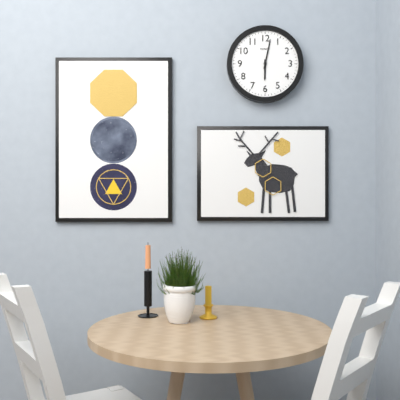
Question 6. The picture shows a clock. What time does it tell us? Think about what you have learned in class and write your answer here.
6:02
